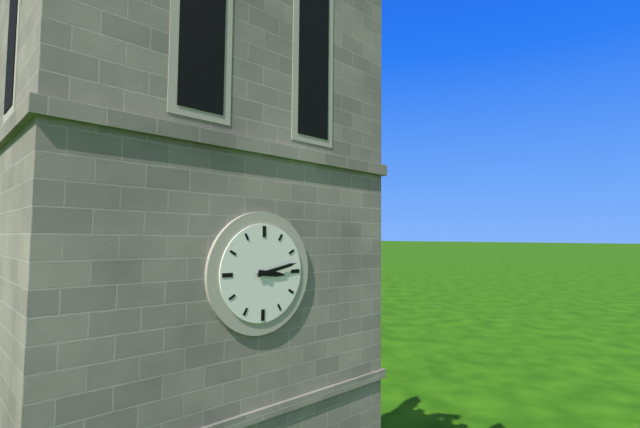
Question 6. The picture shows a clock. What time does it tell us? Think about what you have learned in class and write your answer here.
3:13
